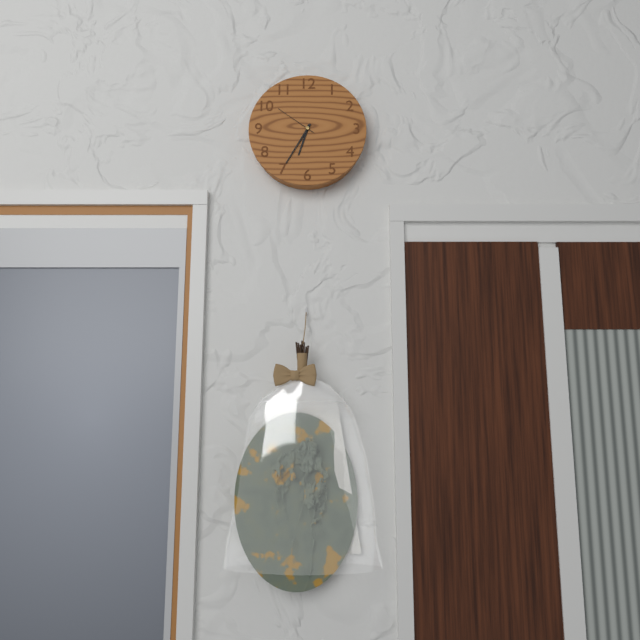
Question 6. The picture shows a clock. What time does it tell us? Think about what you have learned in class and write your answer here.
6:35
